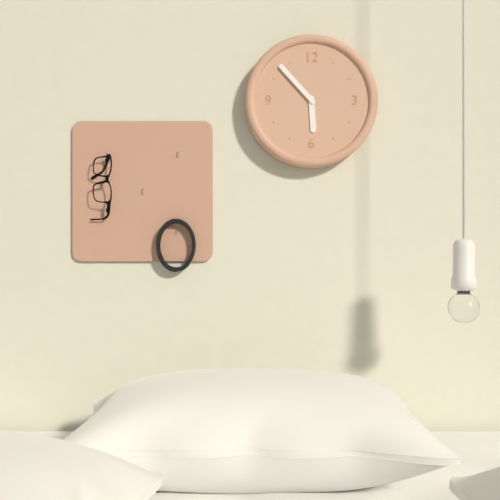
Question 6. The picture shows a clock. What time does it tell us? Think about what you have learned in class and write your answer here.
5:53
